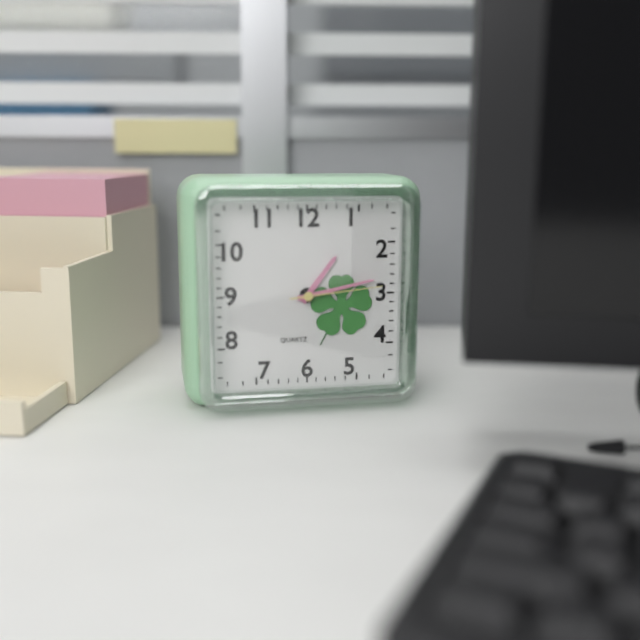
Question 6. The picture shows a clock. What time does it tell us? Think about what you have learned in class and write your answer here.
1:13:14
